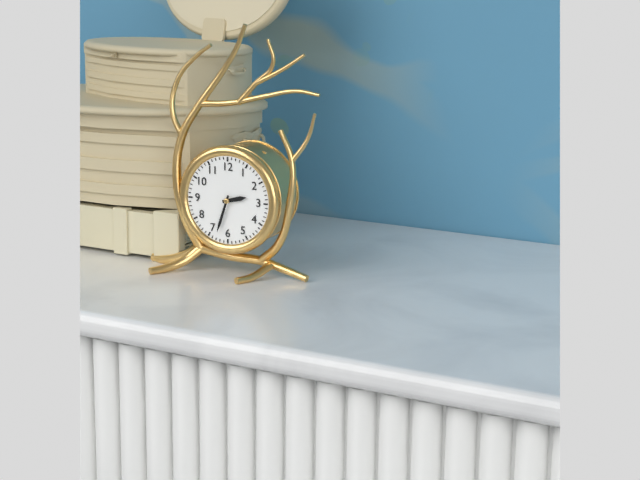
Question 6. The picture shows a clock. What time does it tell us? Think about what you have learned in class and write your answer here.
2:33
